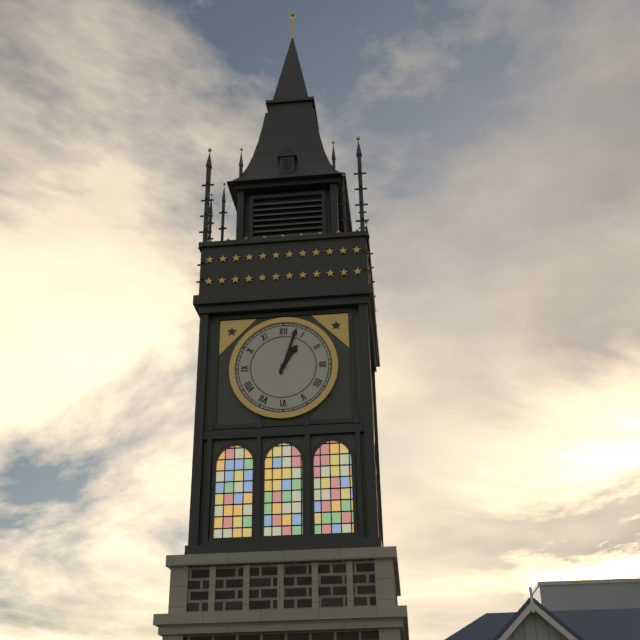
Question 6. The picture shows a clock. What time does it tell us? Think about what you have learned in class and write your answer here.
1:03
